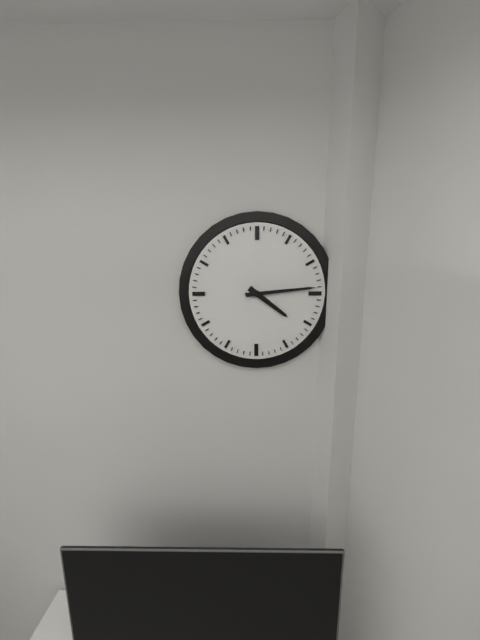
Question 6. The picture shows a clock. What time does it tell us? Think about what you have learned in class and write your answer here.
4:14
